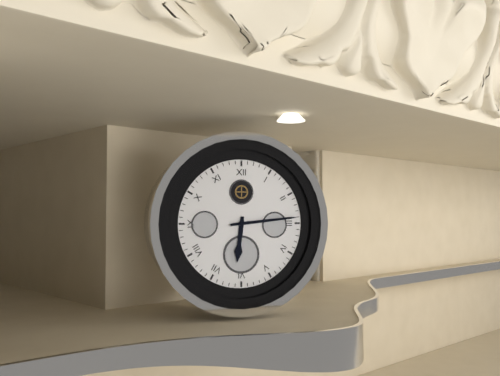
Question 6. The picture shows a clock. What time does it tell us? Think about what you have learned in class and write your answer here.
6:14
